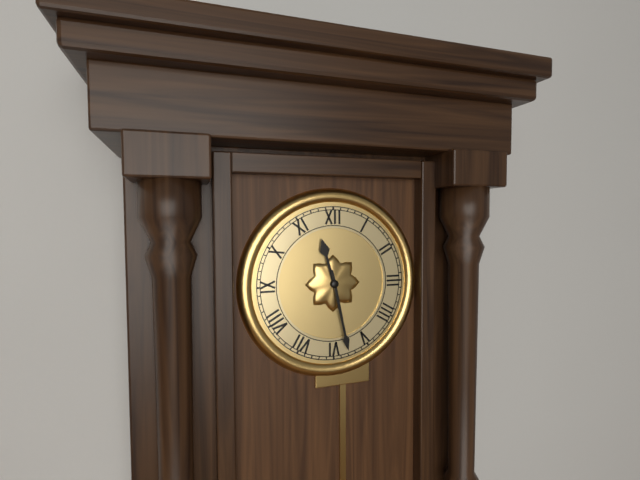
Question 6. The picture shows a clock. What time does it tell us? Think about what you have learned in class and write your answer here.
11:28
